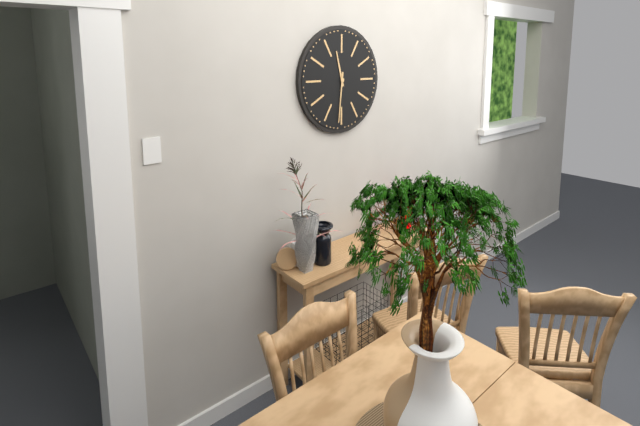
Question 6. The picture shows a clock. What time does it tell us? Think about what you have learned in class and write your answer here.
11:31
